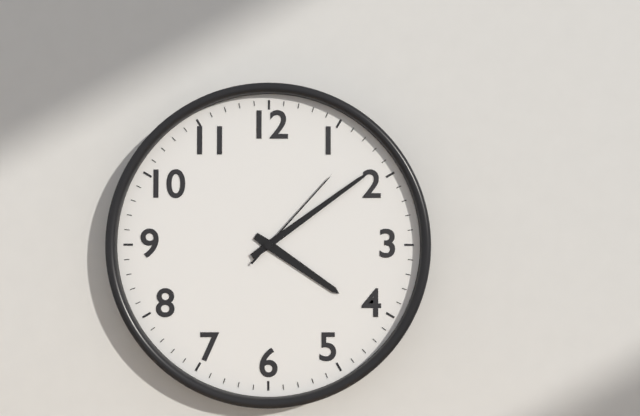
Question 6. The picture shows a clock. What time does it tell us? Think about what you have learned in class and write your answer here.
4:09:07
